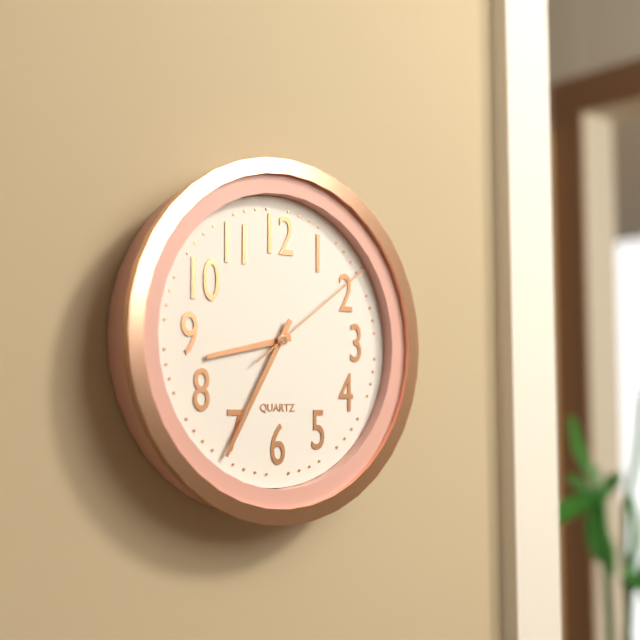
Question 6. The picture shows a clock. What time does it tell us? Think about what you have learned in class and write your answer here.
8:35:09
